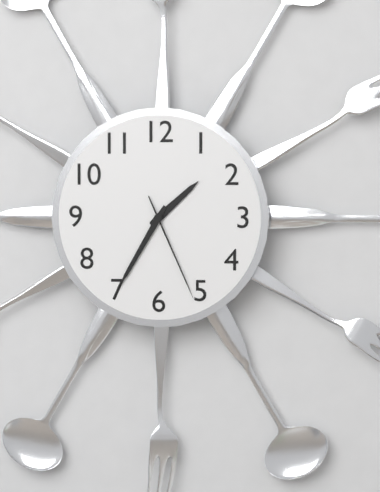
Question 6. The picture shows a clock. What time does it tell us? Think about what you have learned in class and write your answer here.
1:35:26
